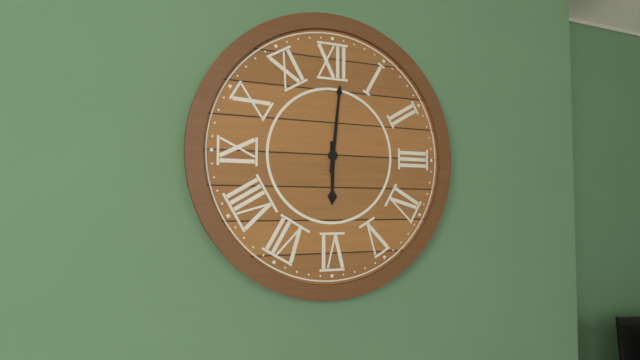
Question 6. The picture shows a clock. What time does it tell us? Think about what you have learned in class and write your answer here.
6:01
